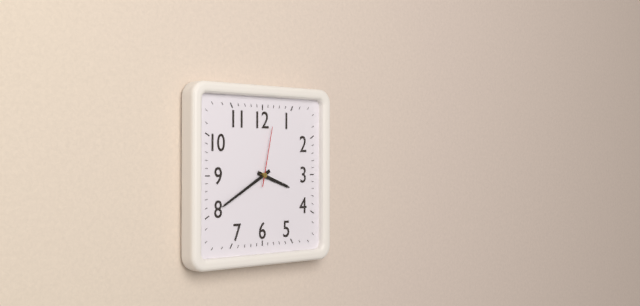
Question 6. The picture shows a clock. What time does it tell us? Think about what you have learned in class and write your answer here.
3:40:02
